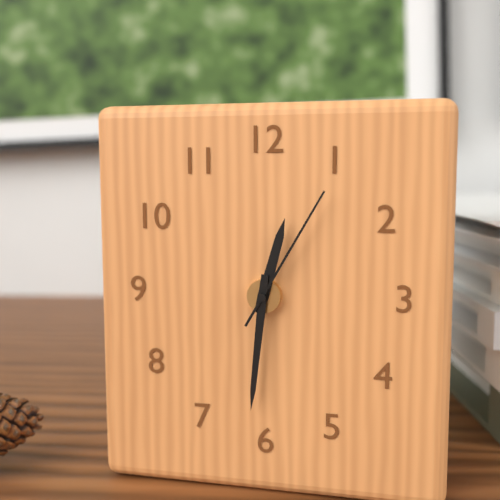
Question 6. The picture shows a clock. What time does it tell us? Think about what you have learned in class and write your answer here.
12:31:05
